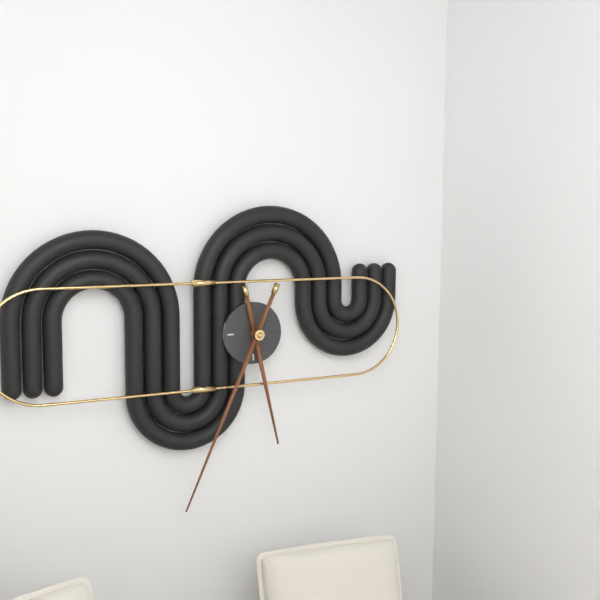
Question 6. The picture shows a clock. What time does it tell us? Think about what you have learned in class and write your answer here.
5:34
